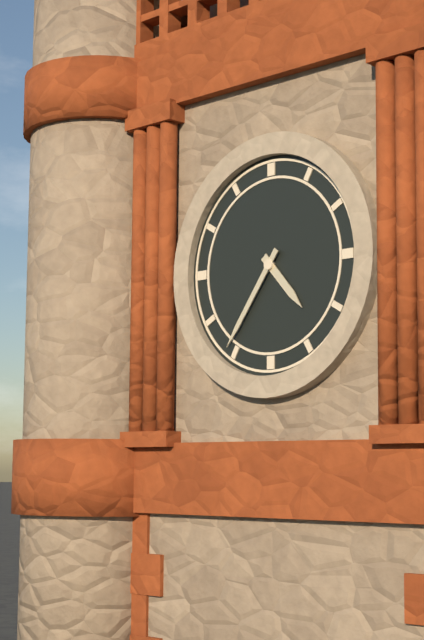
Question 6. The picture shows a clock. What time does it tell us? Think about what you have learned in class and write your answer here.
4:36
